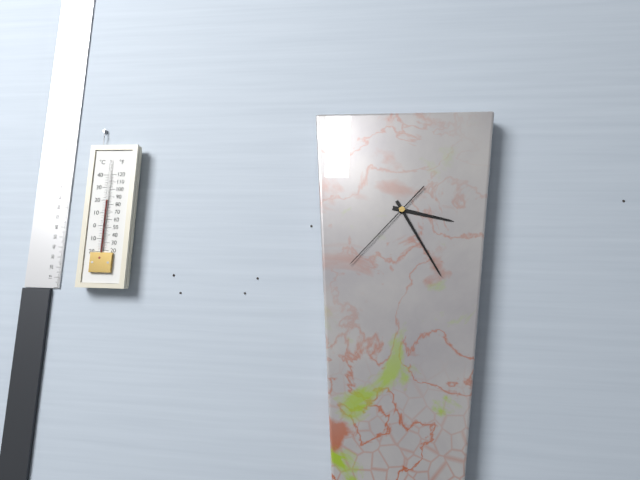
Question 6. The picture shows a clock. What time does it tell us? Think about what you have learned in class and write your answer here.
3:25:37
